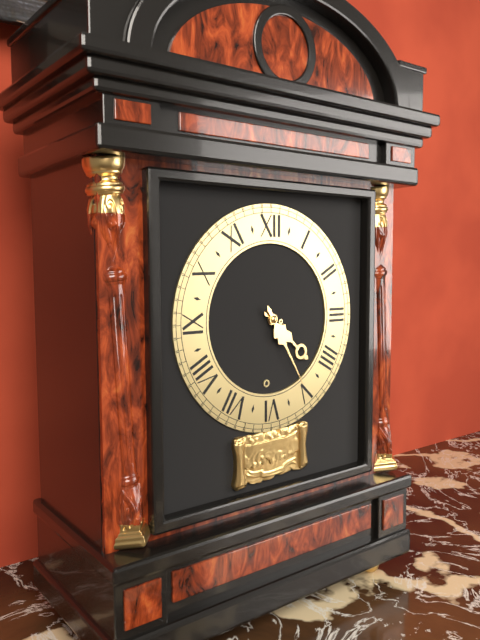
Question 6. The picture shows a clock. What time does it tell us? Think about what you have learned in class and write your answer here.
4:25
